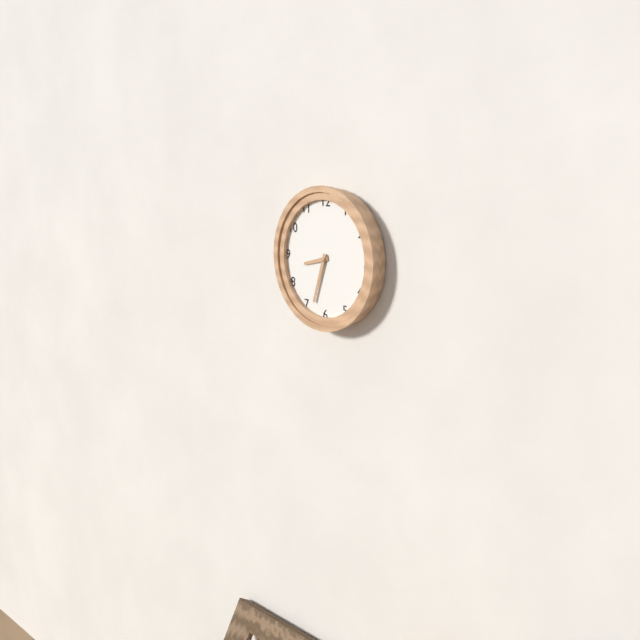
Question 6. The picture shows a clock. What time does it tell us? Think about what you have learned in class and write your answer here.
8:33
